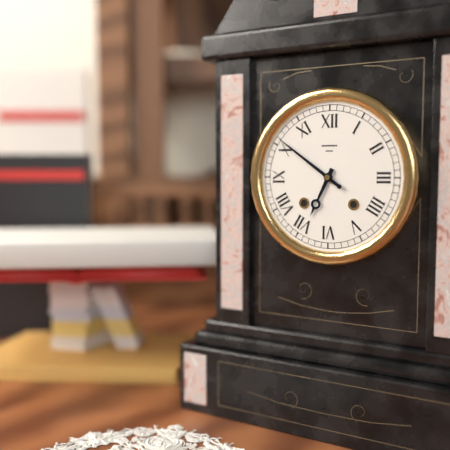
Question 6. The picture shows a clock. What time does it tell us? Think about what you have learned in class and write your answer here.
6:51
